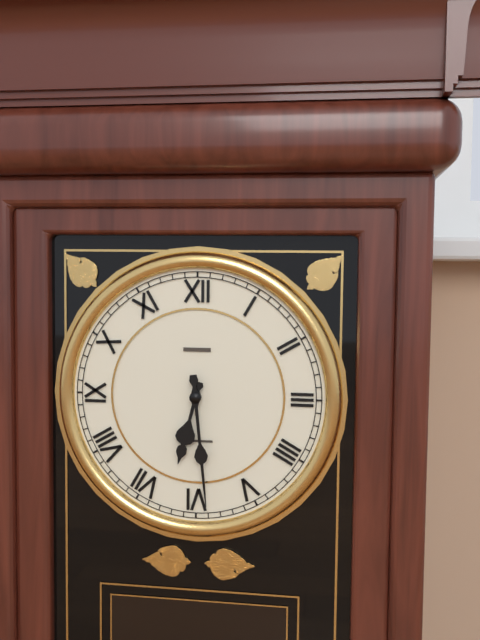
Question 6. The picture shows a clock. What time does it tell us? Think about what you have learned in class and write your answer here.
6:29
